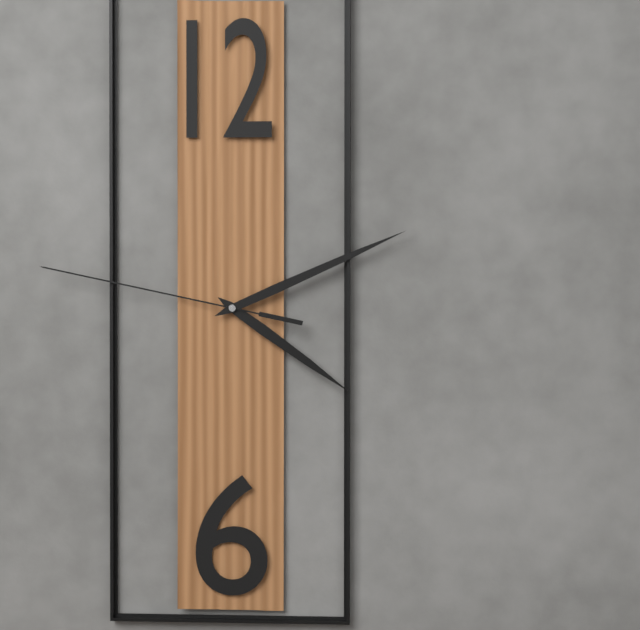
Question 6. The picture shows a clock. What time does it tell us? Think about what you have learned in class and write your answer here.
4:11:47
